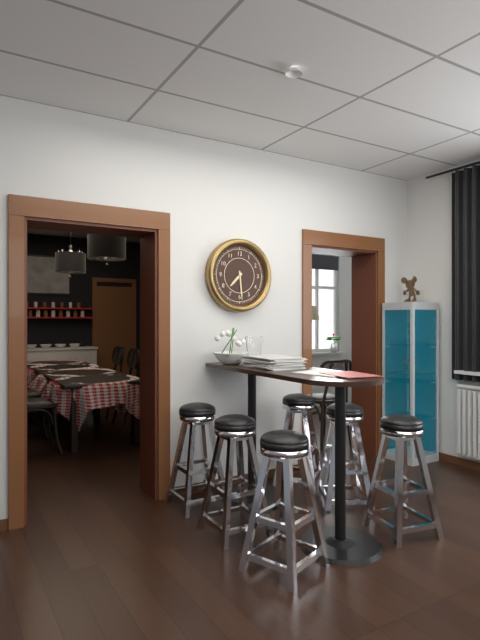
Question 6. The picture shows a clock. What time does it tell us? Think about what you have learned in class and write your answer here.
7:29
